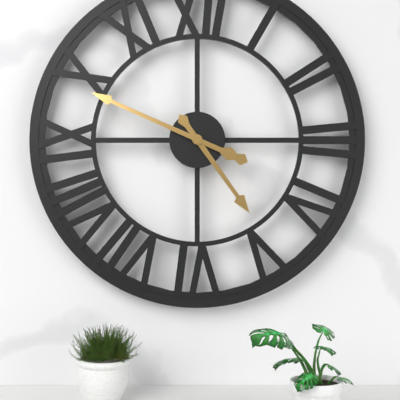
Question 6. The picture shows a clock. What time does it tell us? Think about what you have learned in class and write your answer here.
4:49
